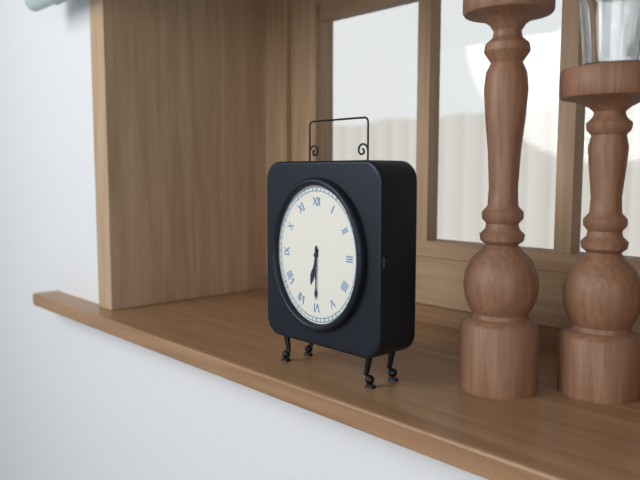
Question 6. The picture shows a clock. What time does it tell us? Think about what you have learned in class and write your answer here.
6:30
